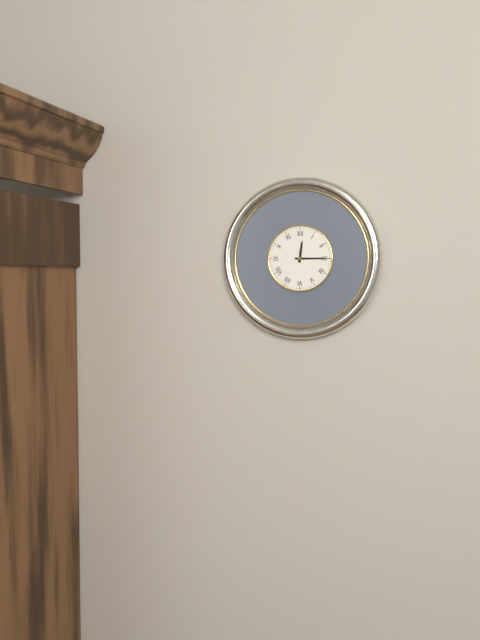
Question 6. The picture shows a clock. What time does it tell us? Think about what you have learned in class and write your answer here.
12:15
